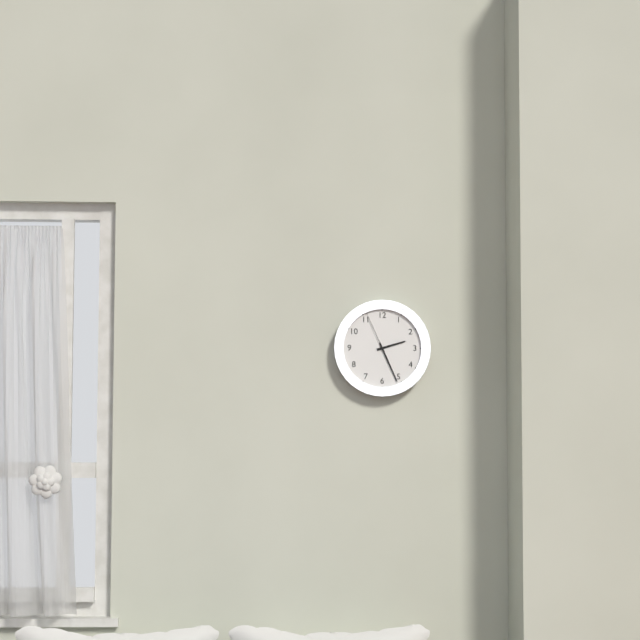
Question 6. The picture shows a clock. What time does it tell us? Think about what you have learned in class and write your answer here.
2:26
